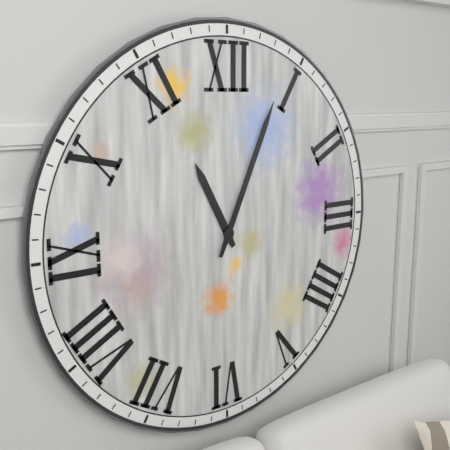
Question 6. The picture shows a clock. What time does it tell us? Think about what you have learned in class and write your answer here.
11:04
